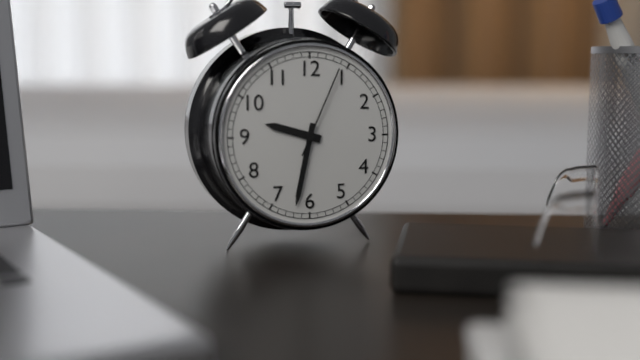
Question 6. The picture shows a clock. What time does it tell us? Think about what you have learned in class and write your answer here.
9:32:04
